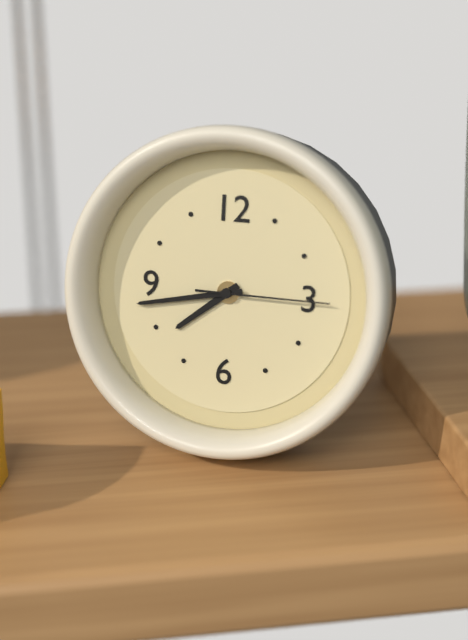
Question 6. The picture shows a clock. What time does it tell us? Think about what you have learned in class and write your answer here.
7:43:15
